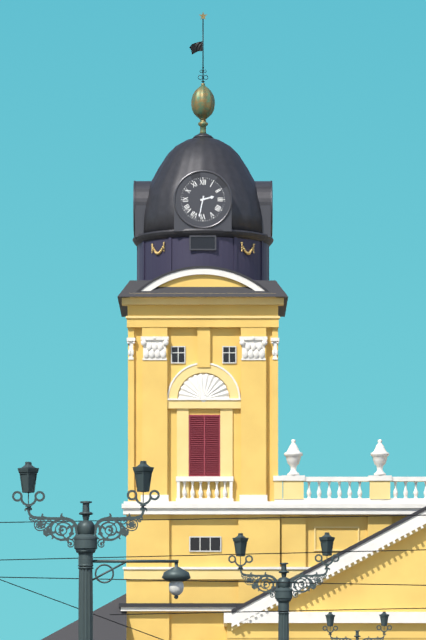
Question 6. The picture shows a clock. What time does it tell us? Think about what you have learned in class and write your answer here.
2:32
